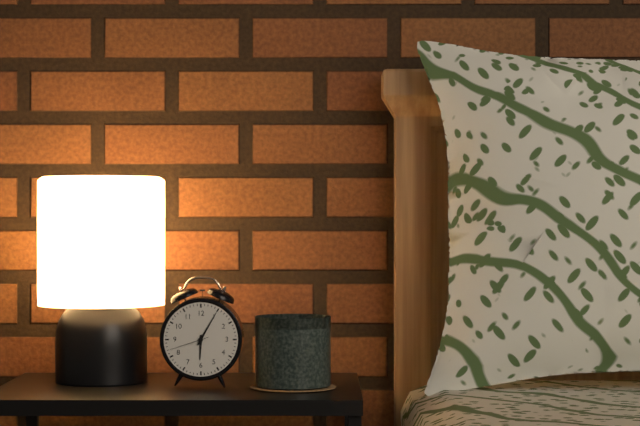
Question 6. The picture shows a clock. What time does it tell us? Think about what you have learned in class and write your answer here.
6:05
